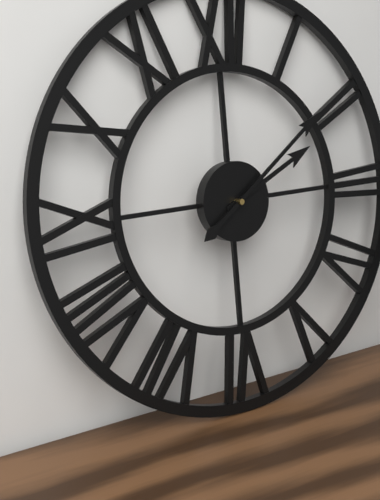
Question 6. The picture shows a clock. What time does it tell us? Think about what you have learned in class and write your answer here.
2:09
